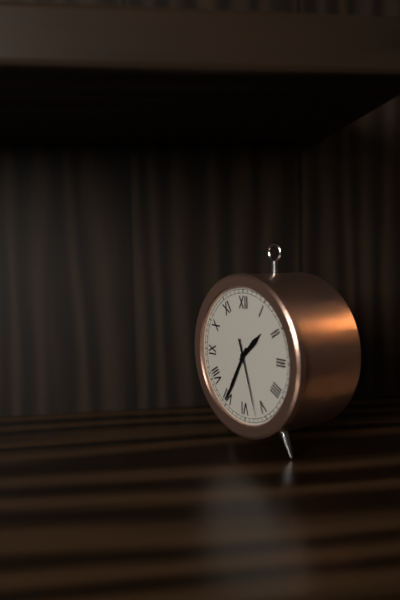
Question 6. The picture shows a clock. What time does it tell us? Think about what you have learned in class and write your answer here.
1:35:27
